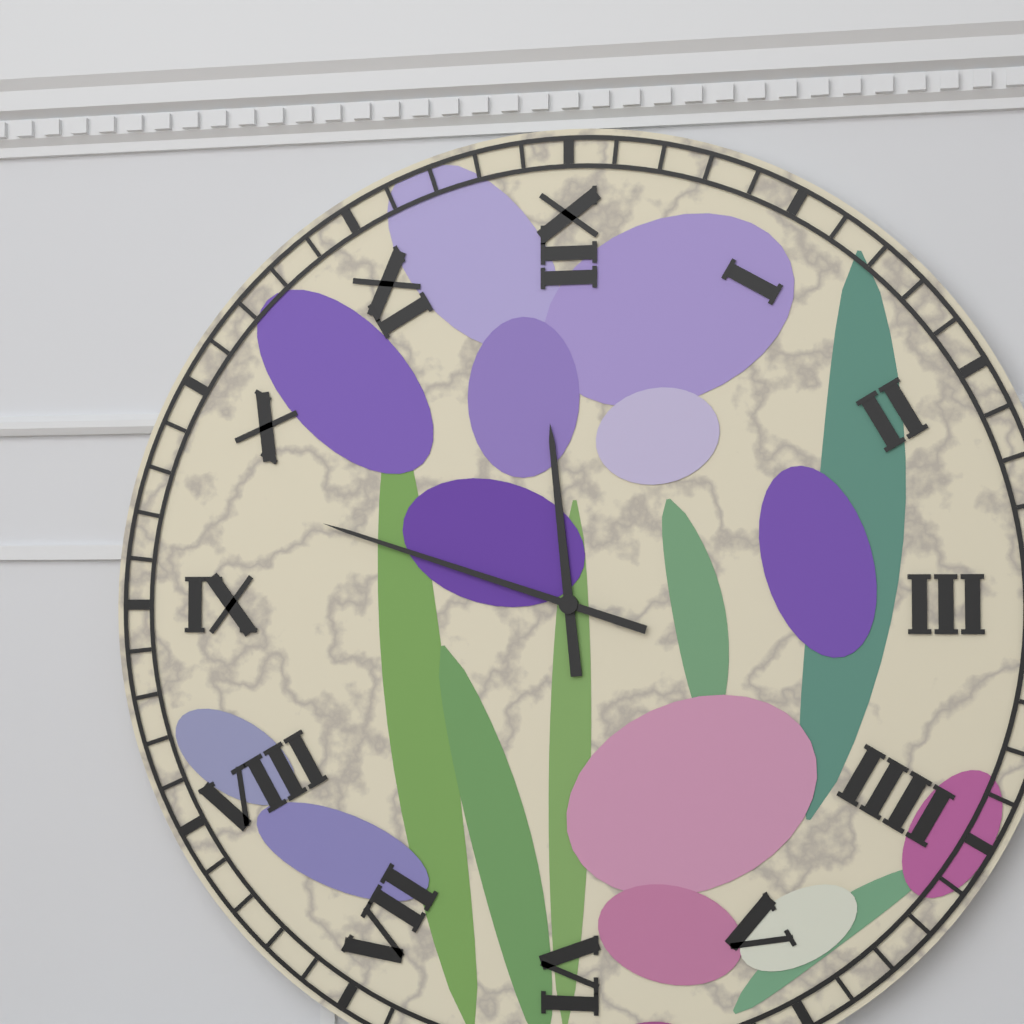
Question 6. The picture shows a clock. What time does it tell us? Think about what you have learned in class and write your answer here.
11:48
